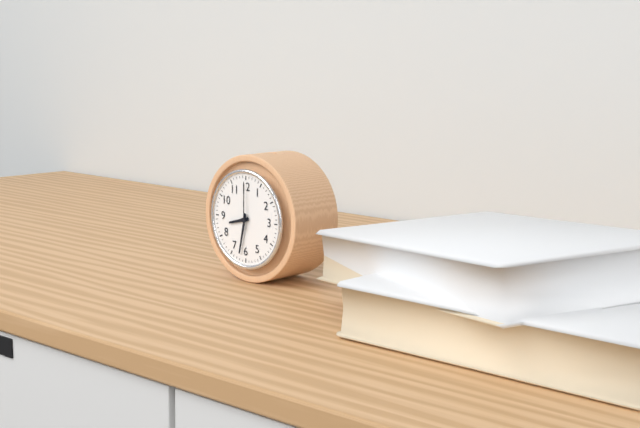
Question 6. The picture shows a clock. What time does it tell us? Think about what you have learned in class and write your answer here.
8:32
